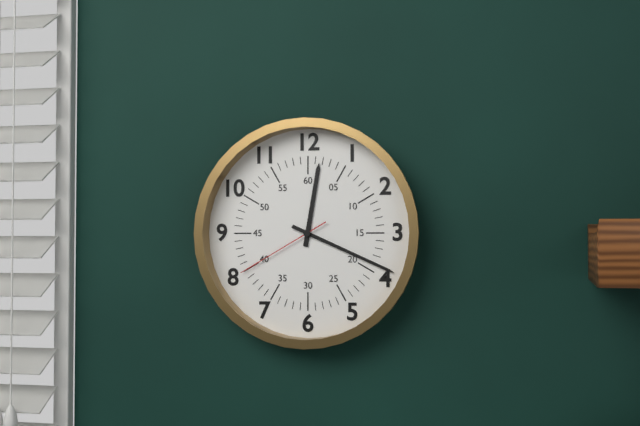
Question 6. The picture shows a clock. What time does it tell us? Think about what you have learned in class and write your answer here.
12:19:40
